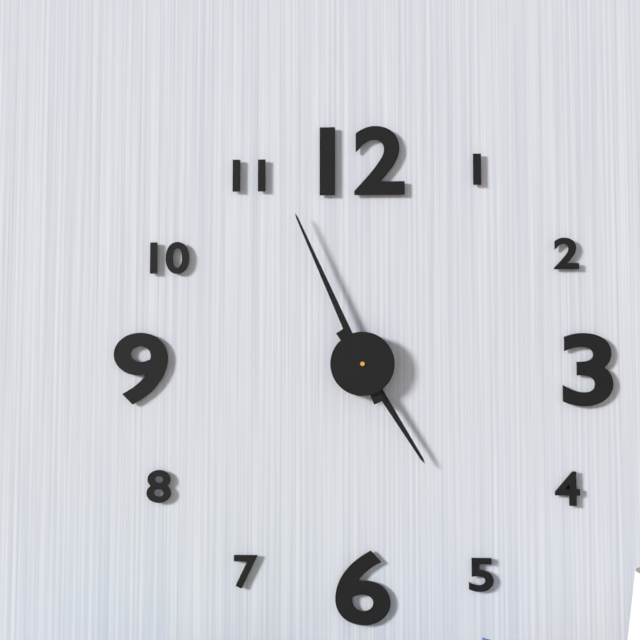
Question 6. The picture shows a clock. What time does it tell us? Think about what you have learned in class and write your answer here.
4:56
